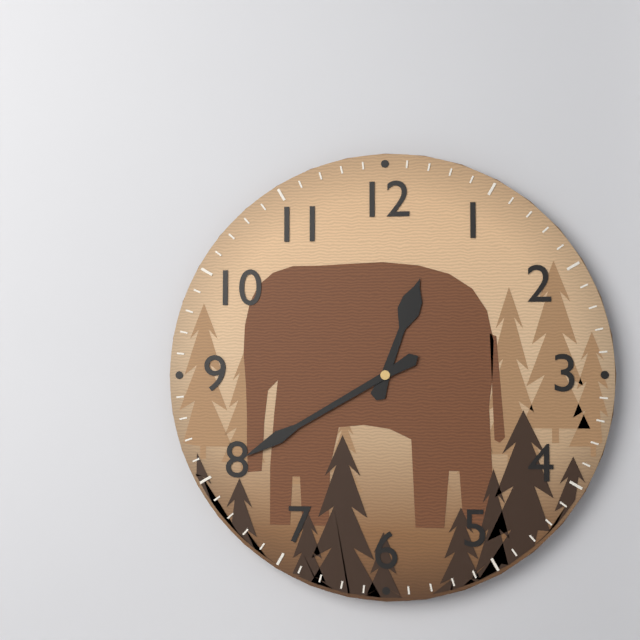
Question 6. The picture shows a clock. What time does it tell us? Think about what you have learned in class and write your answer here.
12:40
